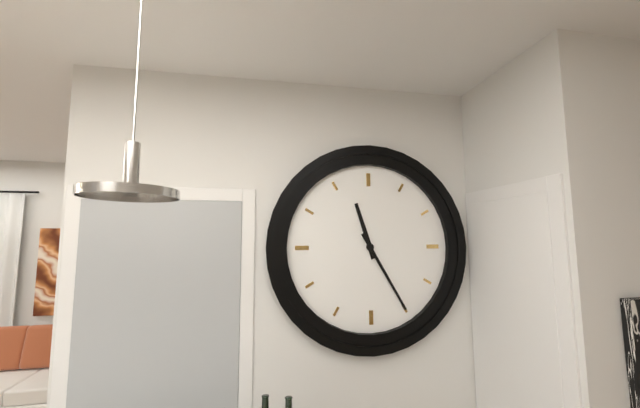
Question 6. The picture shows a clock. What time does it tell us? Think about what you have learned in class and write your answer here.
11:25
